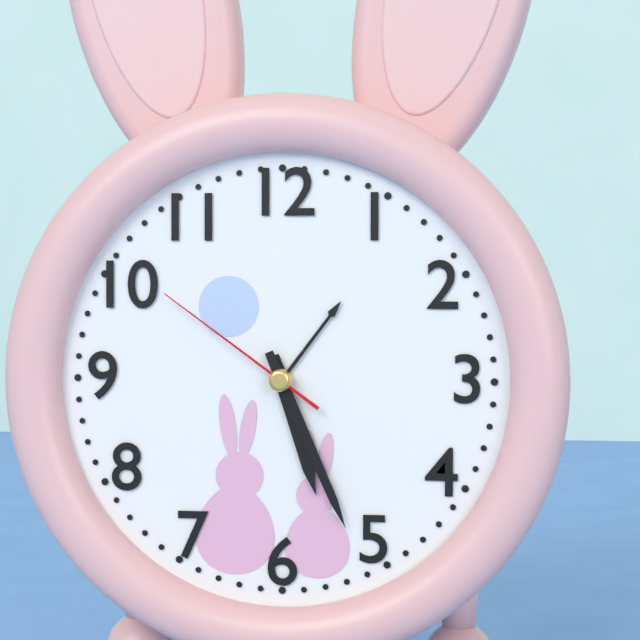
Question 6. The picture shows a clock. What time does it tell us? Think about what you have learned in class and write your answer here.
5:26:51
